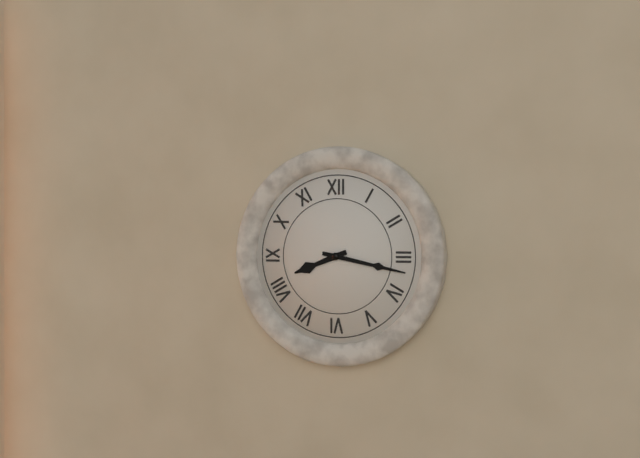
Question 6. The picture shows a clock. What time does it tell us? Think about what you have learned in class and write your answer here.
8:17
